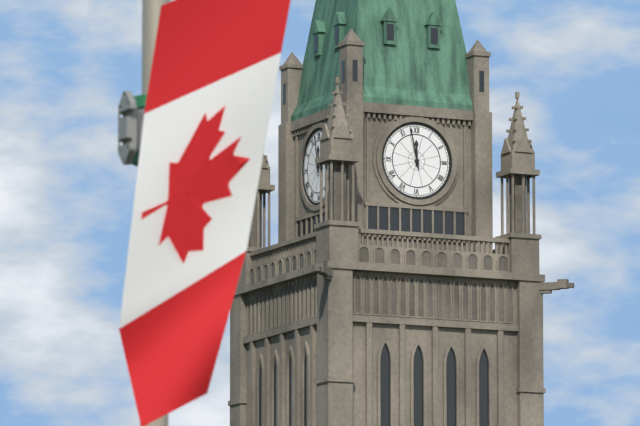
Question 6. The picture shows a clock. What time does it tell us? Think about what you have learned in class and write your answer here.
11:58
